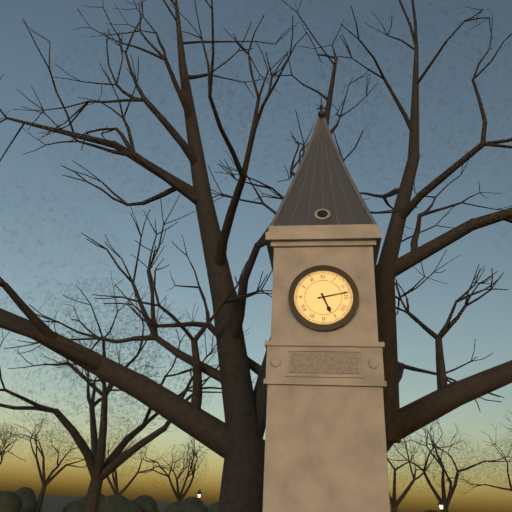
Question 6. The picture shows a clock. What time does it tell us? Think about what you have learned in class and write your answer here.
5:13
